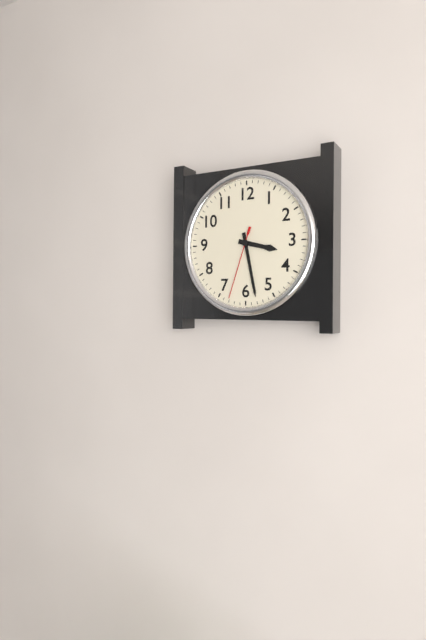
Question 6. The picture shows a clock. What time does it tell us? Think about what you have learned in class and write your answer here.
3:28:33
